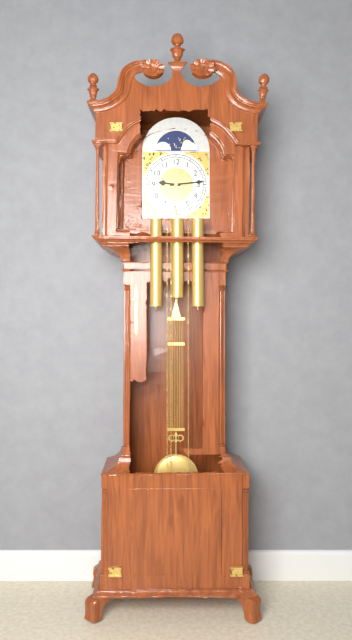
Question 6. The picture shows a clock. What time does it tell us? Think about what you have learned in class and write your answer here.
9:14
